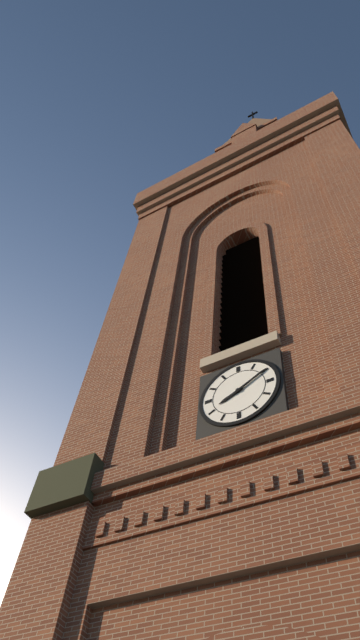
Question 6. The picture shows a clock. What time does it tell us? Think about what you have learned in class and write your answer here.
8:10
